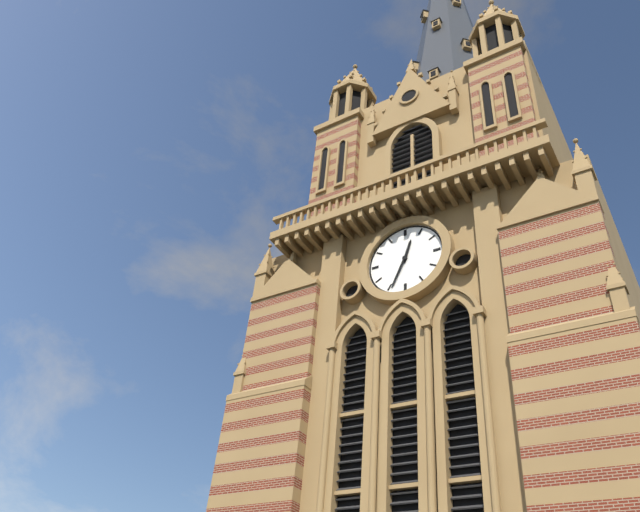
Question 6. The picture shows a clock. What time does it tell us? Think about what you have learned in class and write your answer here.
12:34
